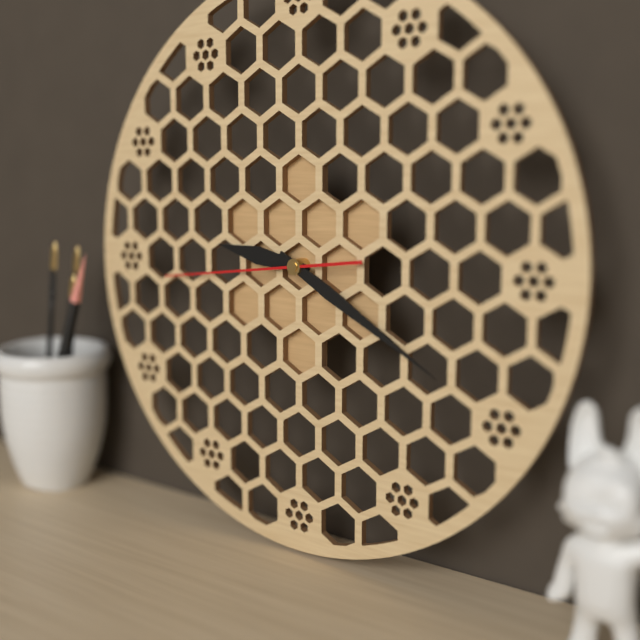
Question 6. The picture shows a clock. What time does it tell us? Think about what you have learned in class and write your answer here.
9:20:44
